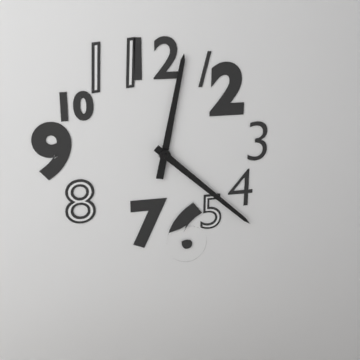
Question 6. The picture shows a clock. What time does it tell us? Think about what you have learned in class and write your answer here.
12:22
